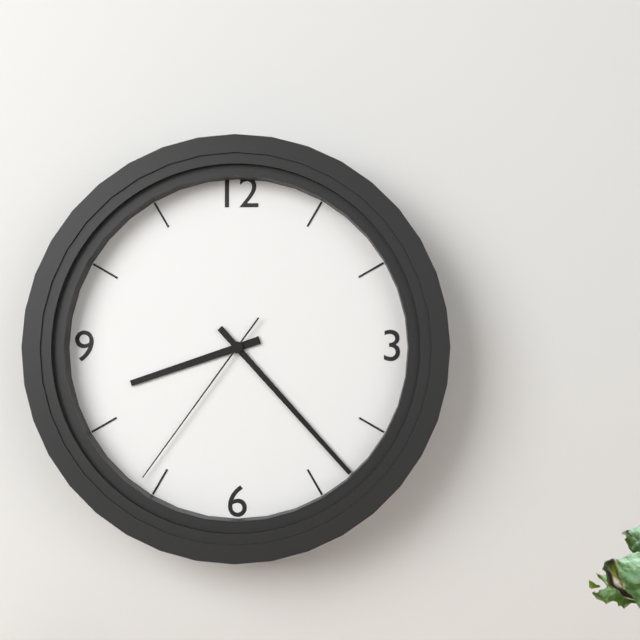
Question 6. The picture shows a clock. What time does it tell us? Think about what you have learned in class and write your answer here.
8:23:36
